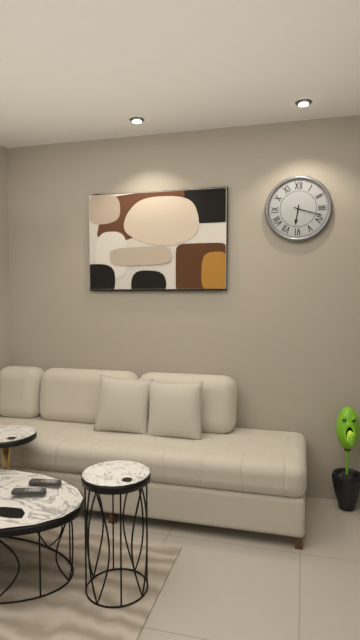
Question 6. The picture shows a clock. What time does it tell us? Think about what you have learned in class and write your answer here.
6:18
